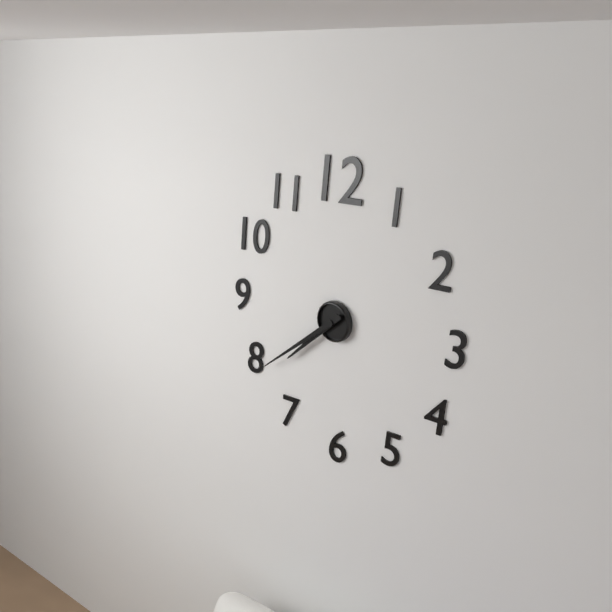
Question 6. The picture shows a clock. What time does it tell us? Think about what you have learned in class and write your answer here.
7:39
